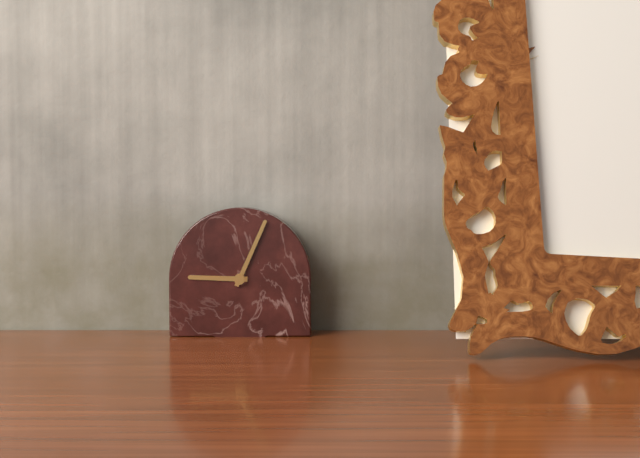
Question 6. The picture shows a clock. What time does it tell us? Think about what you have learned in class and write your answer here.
9:04
